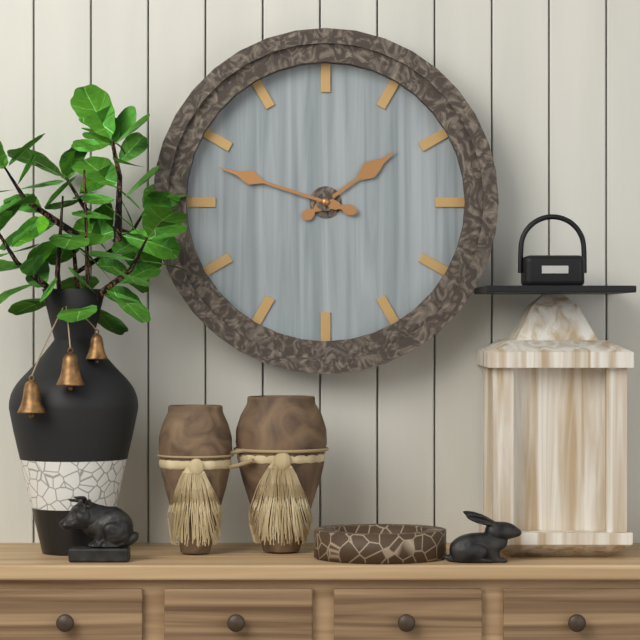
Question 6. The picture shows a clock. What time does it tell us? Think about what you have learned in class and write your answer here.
1:48
